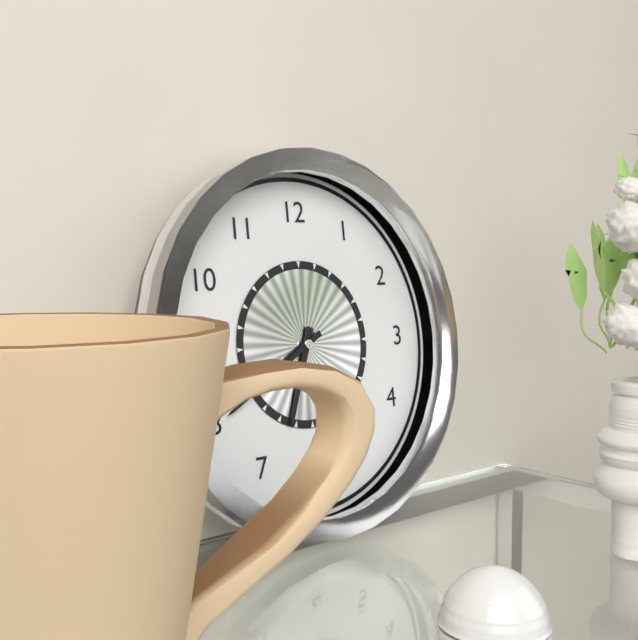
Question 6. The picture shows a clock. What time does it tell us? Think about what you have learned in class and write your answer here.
6:40
